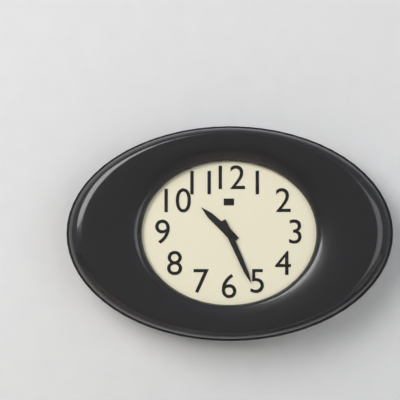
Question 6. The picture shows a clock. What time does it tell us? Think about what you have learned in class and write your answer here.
10:26
